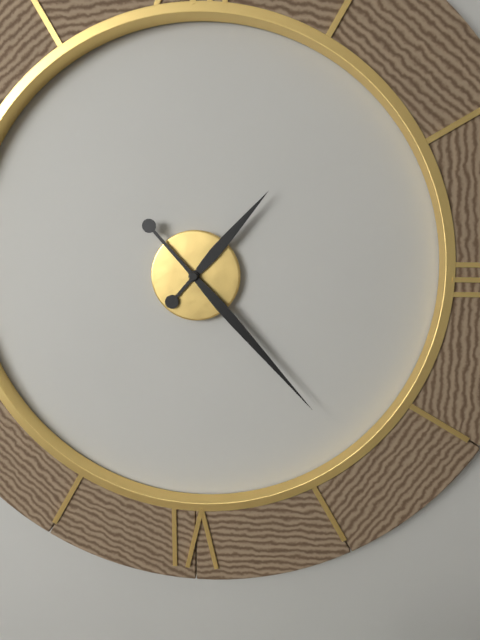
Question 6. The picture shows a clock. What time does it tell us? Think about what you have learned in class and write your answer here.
1:23
